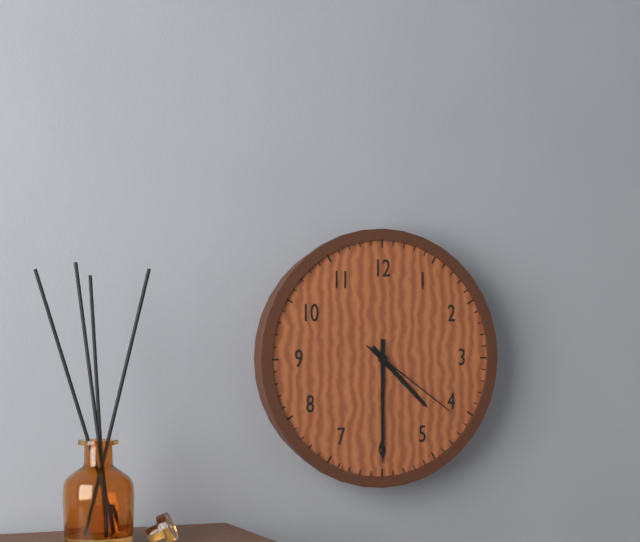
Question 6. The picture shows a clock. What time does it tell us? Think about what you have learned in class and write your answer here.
4:30:21
